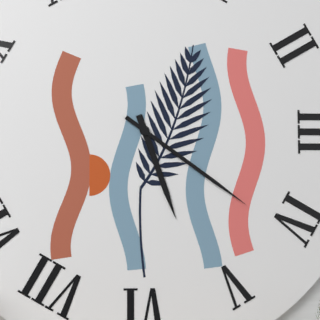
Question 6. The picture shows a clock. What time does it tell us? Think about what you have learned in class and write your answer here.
5:21
